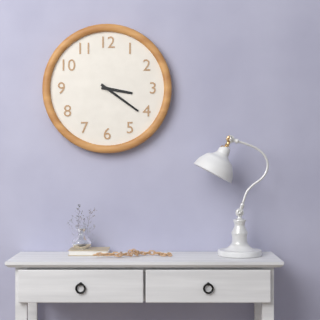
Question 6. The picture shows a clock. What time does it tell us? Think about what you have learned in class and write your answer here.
3:21
